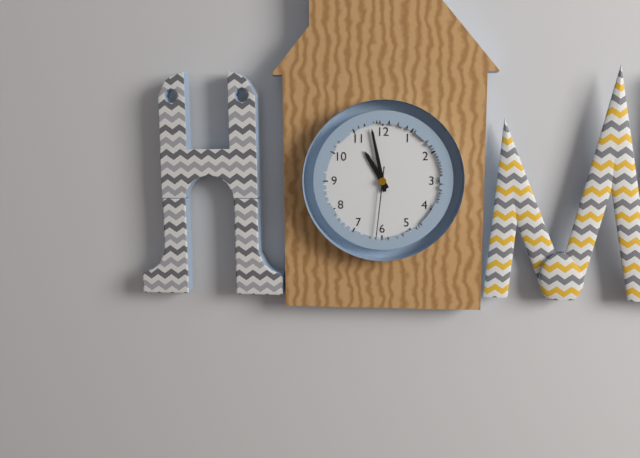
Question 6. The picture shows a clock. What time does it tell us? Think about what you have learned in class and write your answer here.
10:58:31
